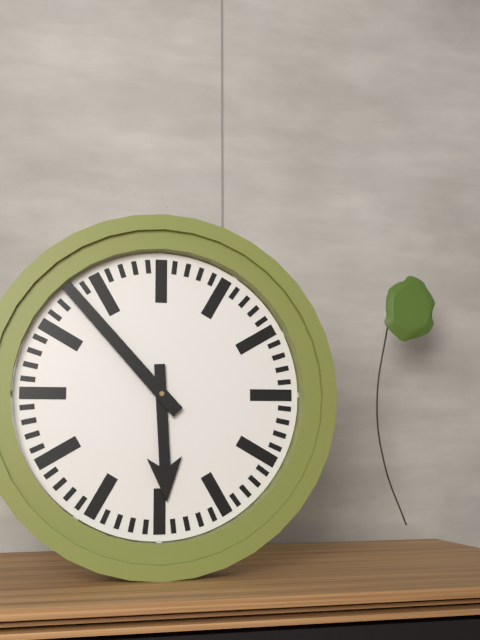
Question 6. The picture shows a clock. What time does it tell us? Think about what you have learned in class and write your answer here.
5:53
